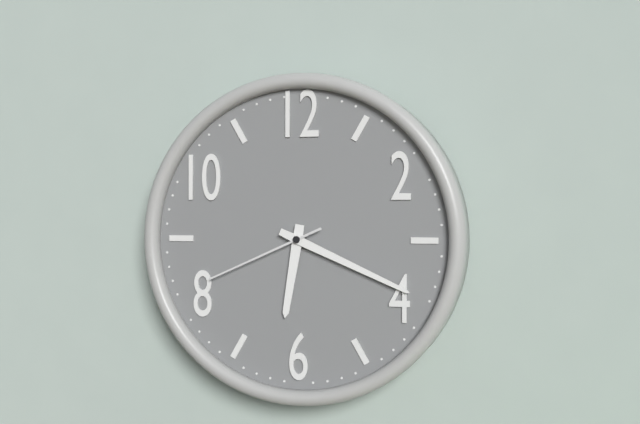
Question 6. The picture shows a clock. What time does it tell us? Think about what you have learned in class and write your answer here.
6:19:41
